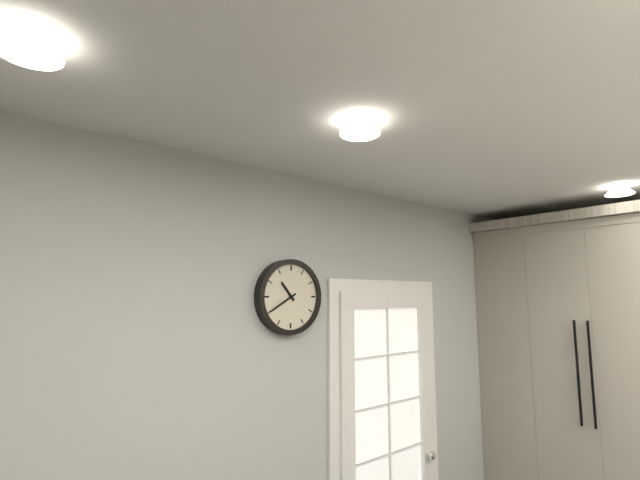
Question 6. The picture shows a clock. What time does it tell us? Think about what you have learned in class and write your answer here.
10:40
